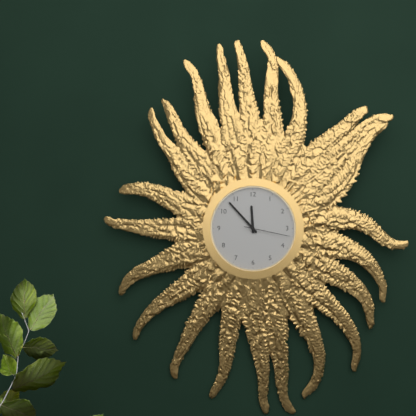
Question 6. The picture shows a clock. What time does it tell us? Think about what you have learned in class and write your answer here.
11:53
